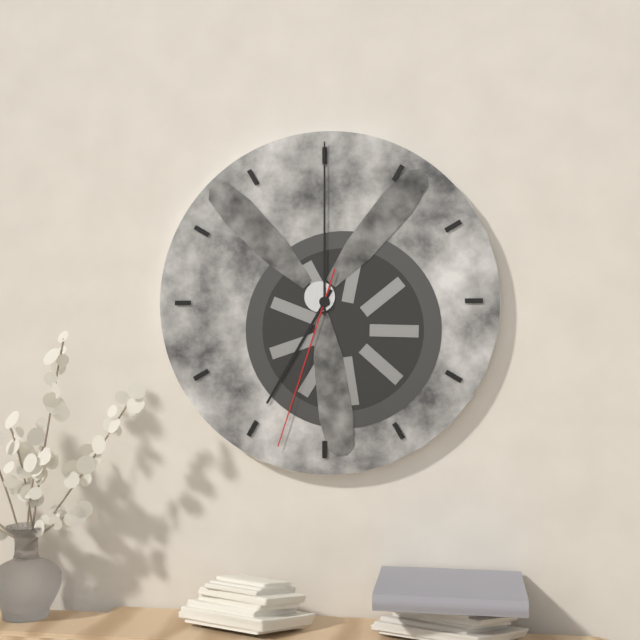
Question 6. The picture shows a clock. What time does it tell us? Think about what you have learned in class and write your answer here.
7:00:33
